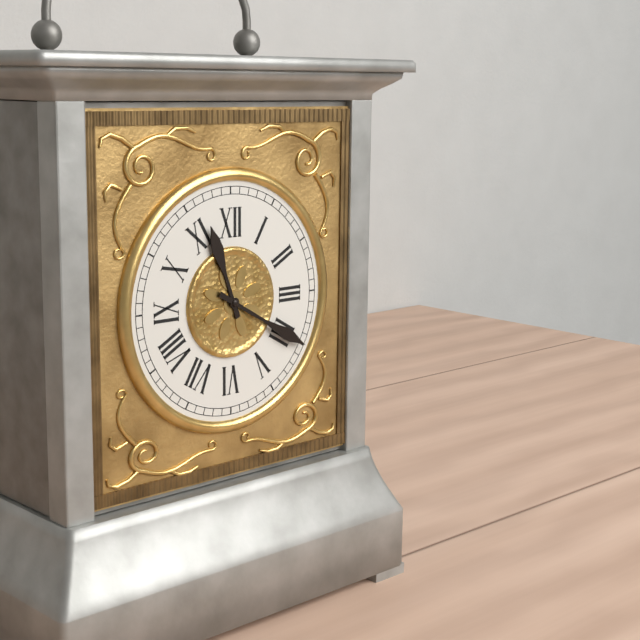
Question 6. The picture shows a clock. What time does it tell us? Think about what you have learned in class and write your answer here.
11:20
